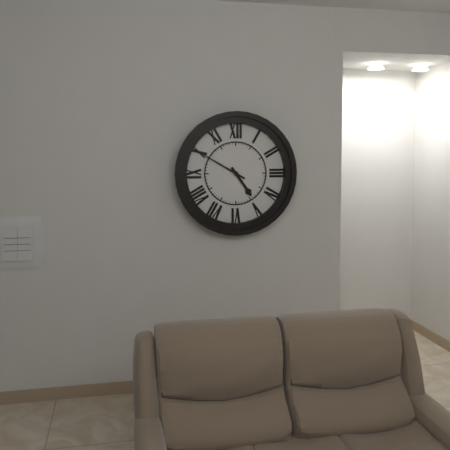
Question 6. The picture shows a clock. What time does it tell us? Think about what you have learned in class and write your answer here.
4:50
